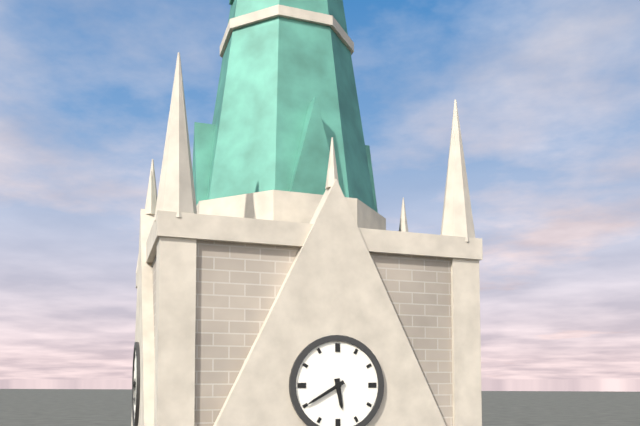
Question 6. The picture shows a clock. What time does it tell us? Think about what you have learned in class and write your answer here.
5:40
